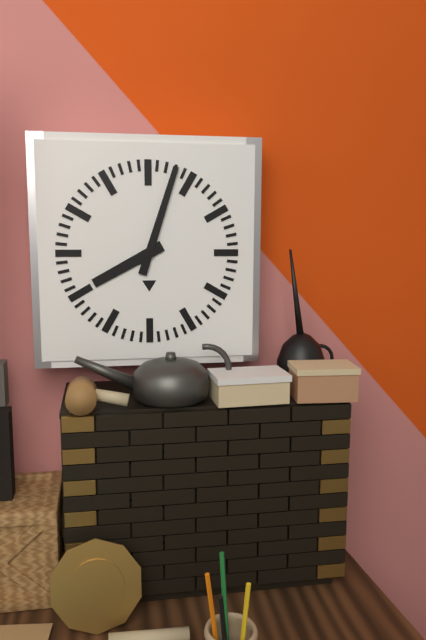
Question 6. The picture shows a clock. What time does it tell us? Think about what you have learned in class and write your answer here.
8:03
